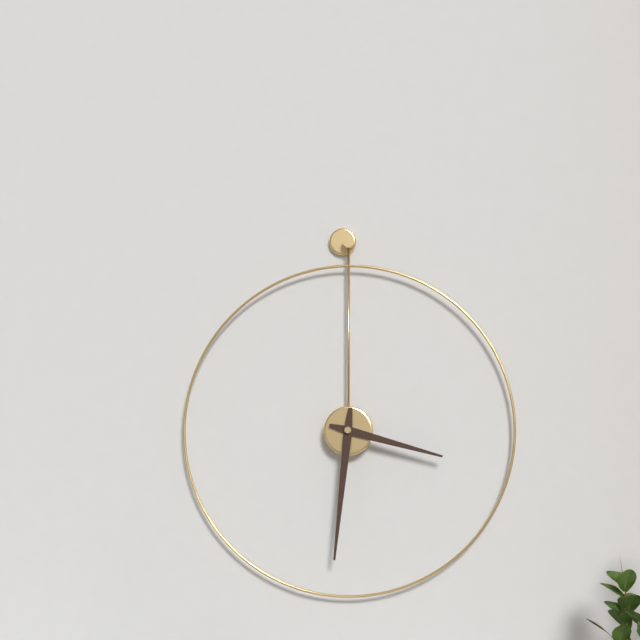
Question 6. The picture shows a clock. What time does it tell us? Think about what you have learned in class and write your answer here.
3:31
